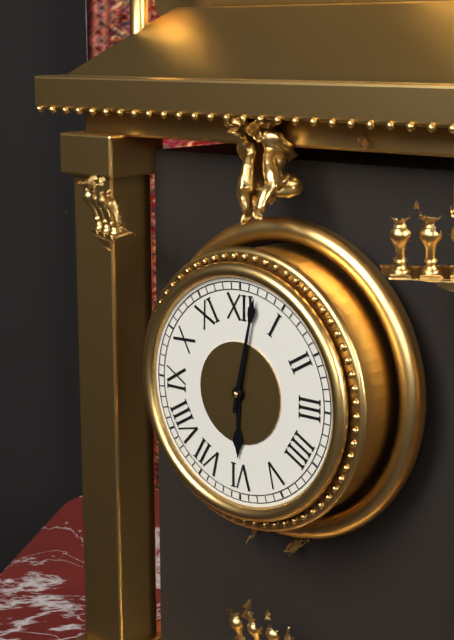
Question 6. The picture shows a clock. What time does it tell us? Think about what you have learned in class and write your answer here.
6:02
